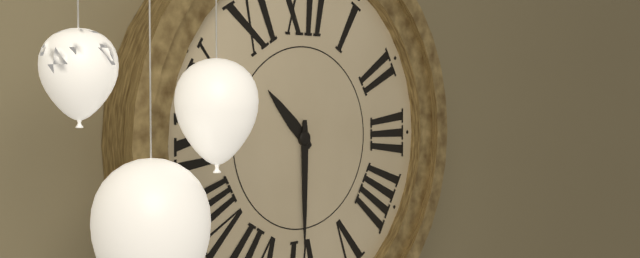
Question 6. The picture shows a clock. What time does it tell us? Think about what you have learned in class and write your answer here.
10:30
